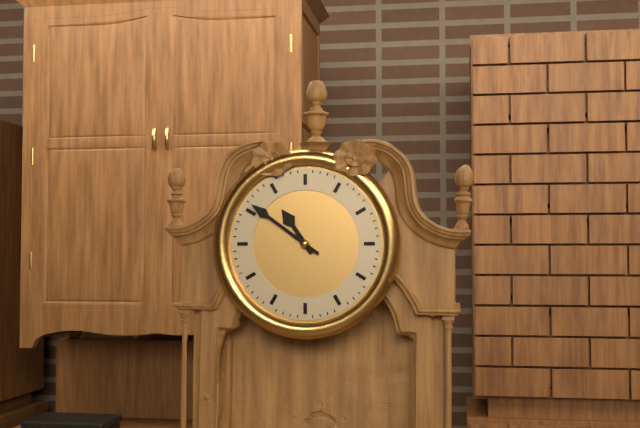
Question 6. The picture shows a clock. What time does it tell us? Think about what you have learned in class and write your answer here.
10:51
